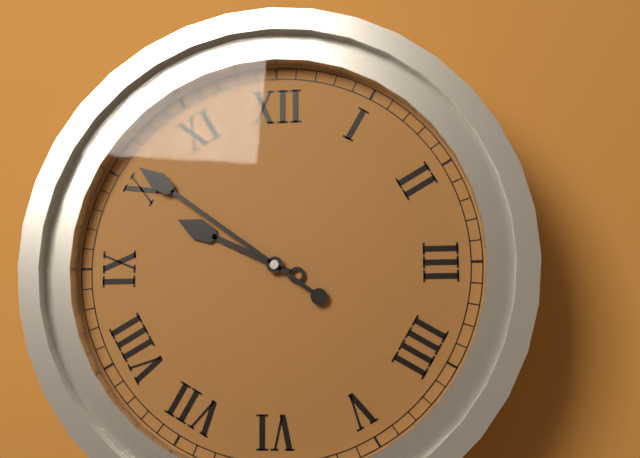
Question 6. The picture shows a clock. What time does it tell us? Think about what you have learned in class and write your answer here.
9:51
